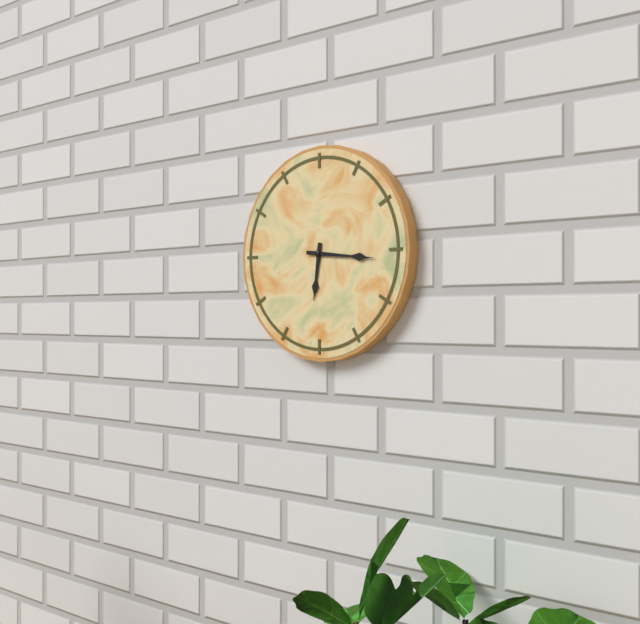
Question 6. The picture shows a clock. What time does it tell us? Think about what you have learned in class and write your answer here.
6:16
